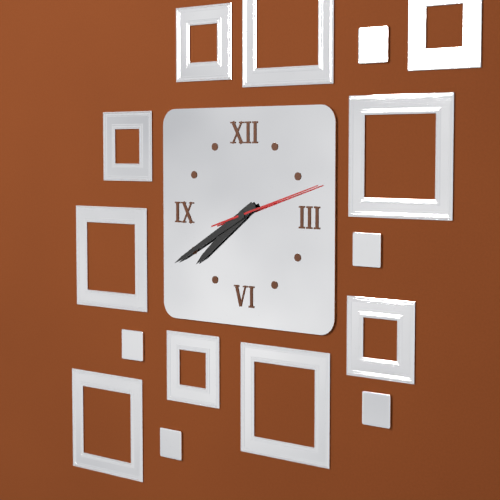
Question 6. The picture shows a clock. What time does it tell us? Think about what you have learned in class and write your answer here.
7:40:12
